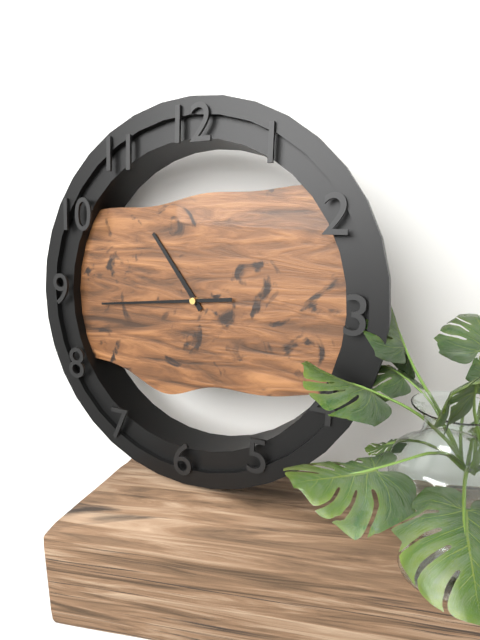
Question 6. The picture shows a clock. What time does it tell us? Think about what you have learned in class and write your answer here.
10:44
